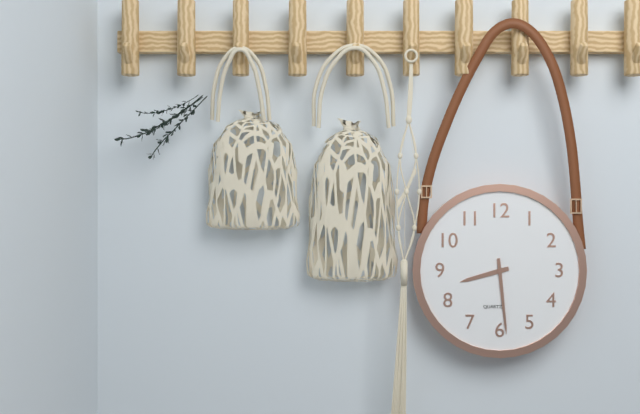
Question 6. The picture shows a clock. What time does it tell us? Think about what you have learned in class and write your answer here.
8:29
